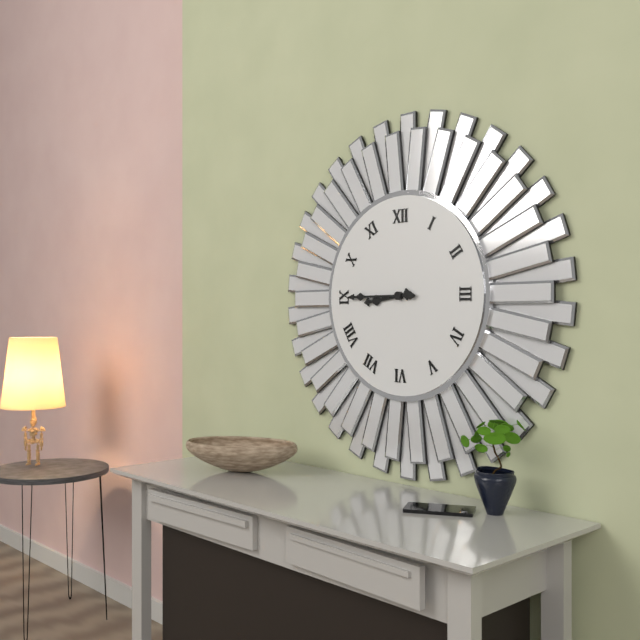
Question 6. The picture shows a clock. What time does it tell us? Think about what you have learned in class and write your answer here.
8:45
